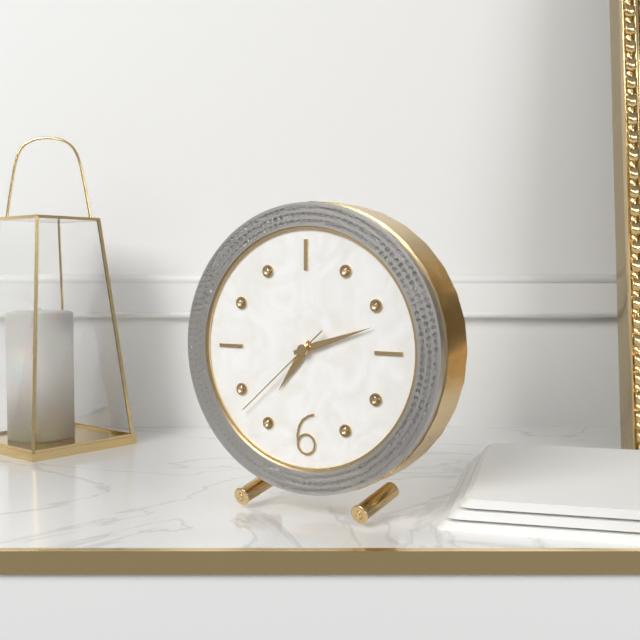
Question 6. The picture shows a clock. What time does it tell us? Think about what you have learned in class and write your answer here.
7:12:38
